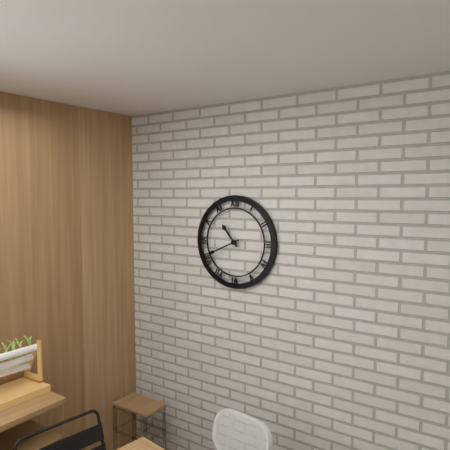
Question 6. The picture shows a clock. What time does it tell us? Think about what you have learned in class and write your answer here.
10:41
